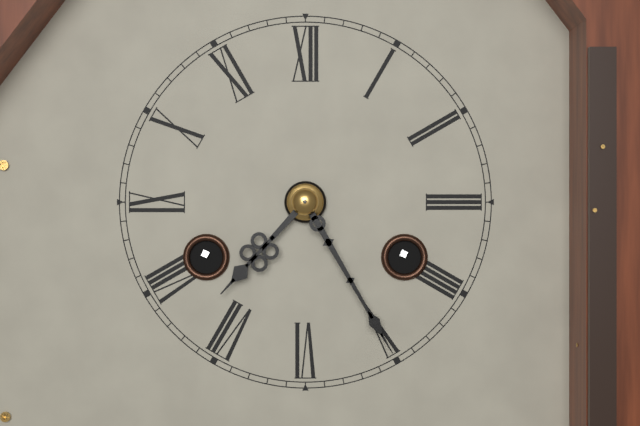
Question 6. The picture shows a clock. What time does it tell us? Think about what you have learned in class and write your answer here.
7:25
